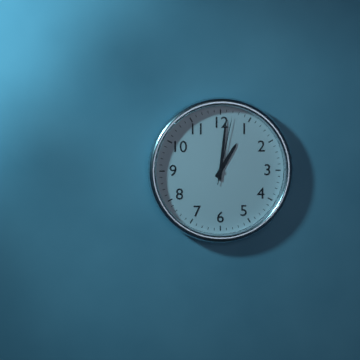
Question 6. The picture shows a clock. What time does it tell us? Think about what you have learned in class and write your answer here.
1:01:02
